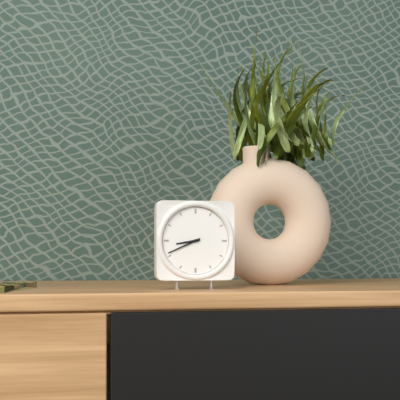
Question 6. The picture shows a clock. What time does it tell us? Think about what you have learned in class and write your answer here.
8:41
